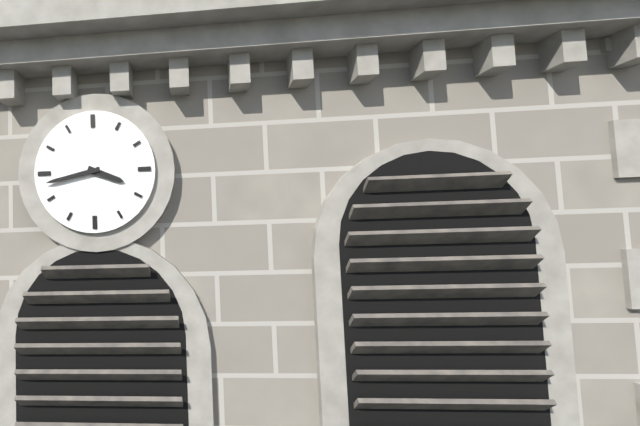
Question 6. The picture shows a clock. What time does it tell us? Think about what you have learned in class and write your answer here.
3:43
